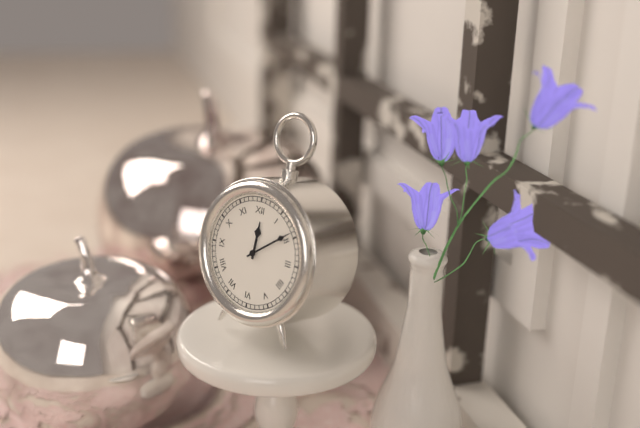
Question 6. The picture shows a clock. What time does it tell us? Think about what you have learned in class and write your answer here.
12:09
